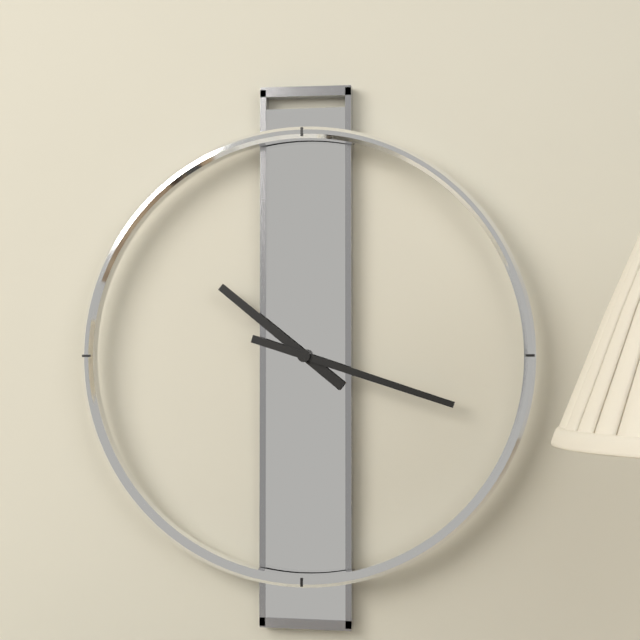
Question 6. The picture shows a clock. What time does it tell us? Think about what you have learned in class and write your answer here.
10:18
